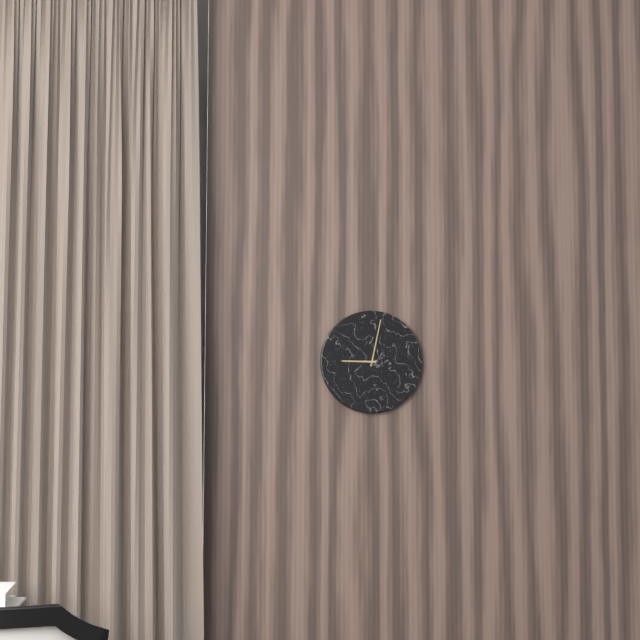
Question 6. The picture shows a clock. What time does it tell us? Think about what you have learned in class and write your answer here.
9:02
